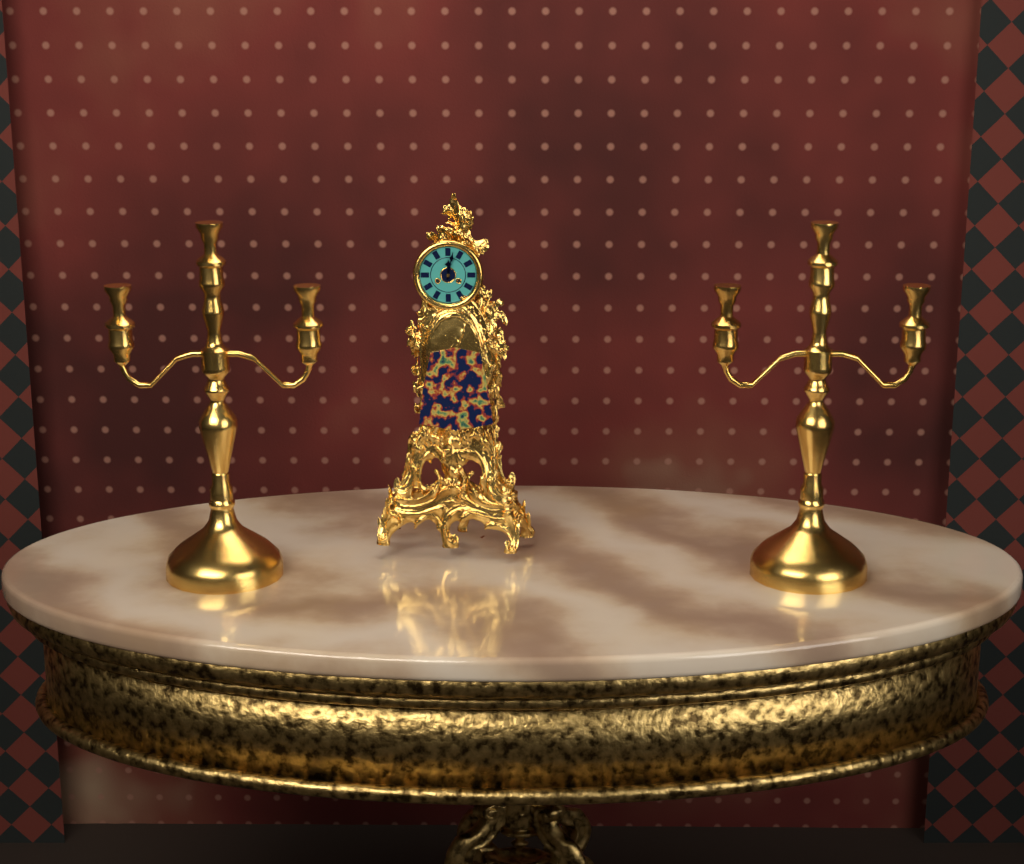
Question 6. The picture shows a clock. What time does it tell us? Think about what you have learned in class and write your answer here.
12:02
